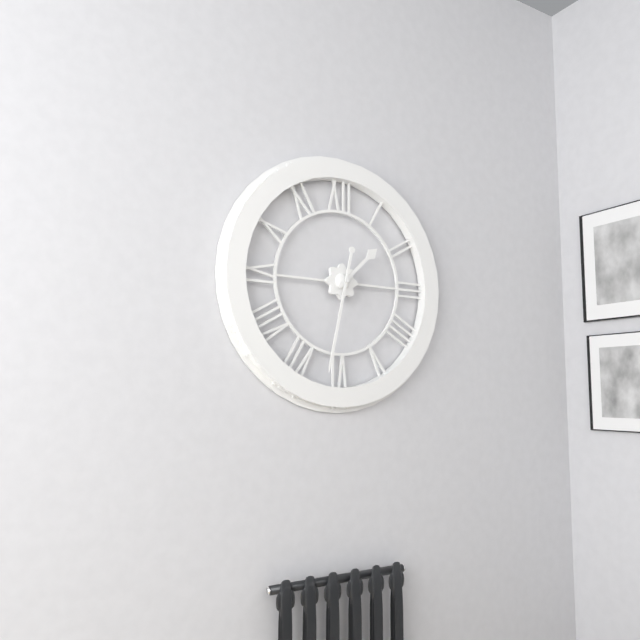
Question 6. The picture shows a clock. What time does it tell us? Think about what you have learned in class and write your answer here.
1:32
